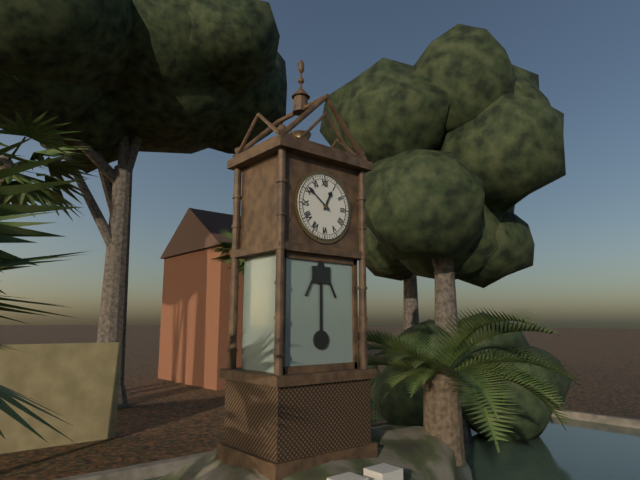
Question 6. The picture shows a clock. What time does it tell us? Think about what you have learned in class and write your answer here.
12:51
